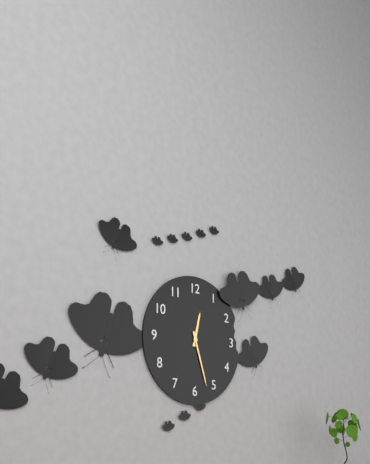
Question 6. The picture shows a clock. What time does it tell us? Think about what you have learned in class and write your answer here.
12:27
